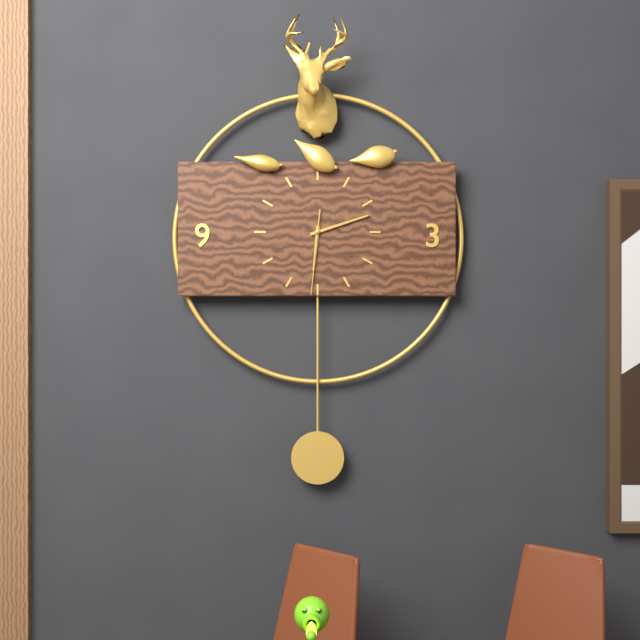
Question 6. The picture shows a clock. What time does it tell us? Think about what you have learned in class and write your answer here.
6:12:31
